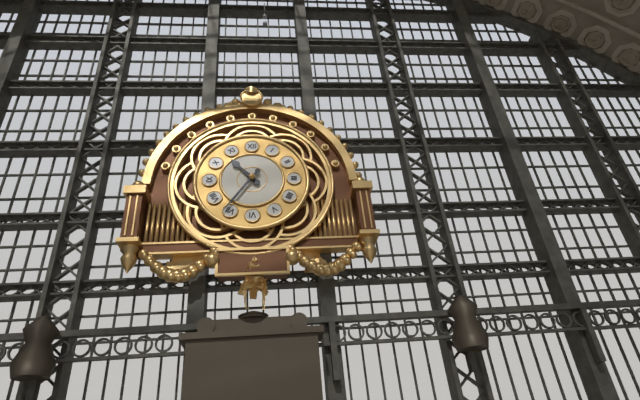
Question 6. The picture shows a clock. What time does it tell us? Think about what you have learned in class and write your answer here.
10:36
